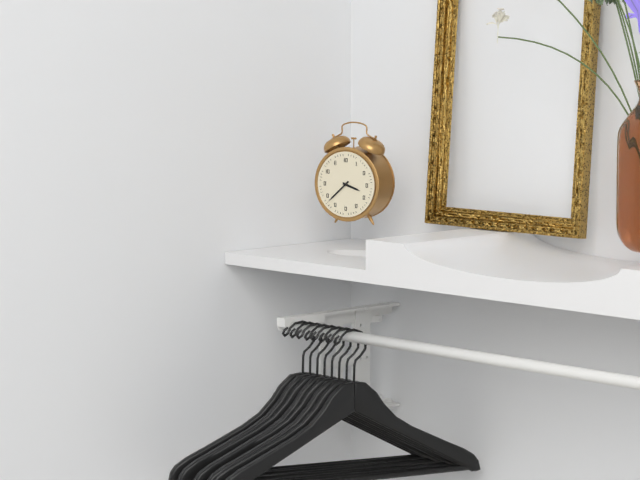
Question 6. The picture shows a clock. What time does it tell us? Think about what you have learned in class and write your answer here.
3:38
